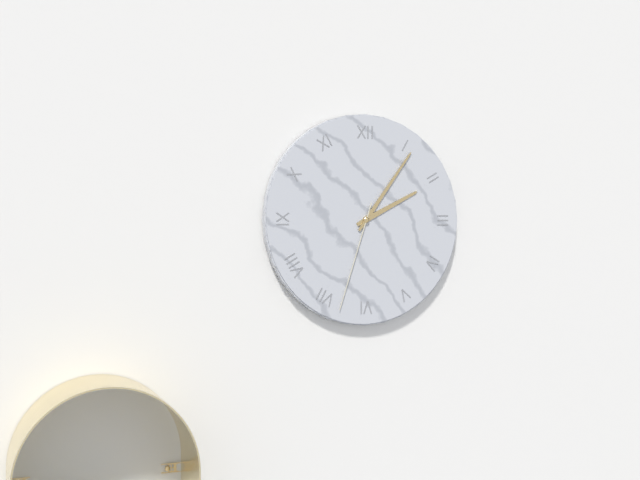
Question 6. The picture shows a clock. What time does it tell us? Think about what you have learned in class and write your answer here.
2:06:33
